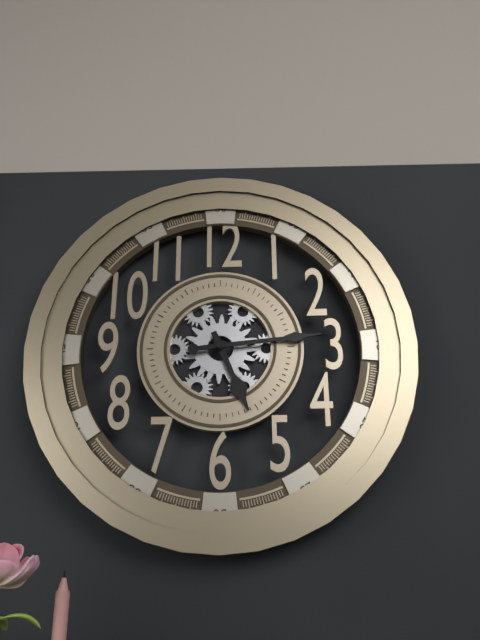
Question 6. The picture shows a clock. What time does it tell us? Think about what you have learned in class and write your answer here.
5:14
